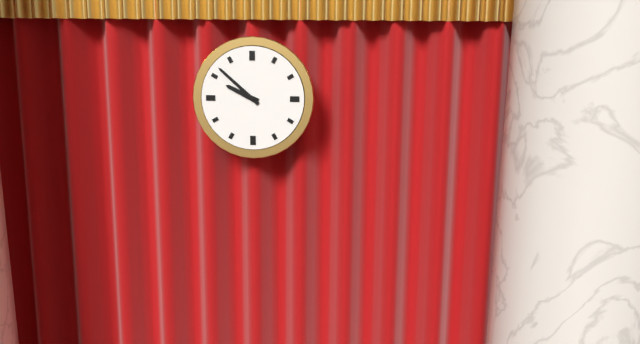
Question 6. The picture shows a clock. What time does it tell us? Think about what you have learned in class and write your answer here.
9:52
